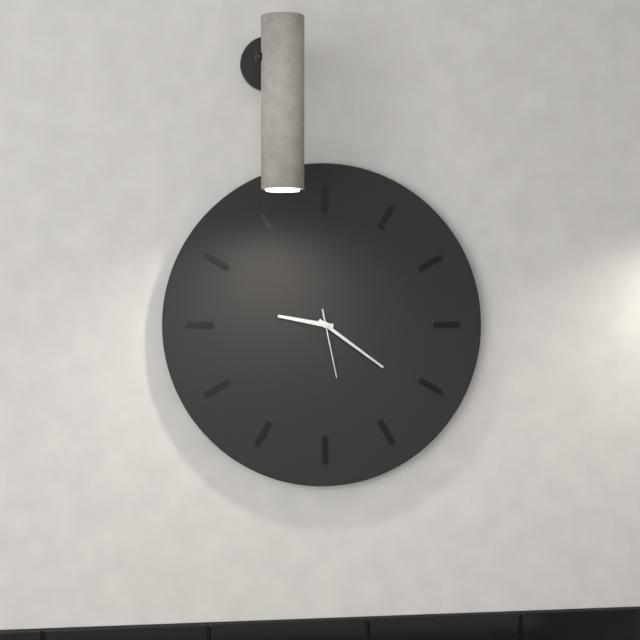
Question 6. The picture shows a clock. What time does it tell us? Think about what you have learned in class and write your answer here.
9:21:28
